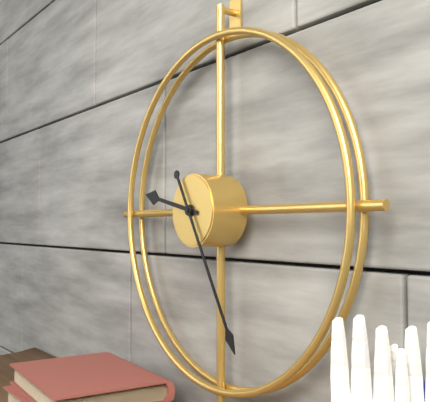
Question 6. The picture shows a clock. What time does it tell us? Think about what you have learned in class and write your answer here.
9:25
